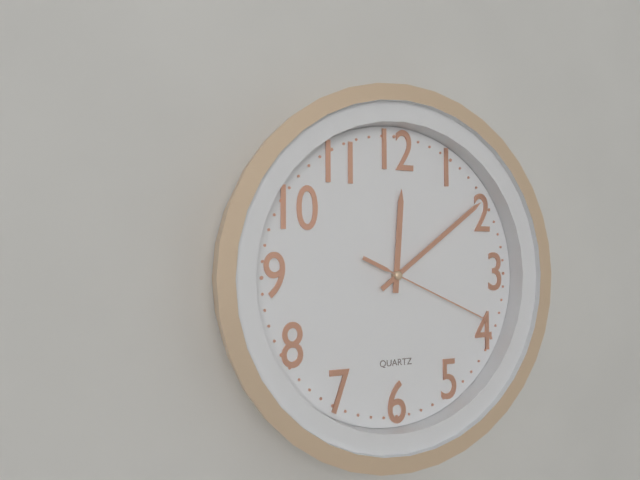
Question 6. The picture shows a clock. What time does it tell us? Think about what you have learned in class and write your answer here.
12:09:19
